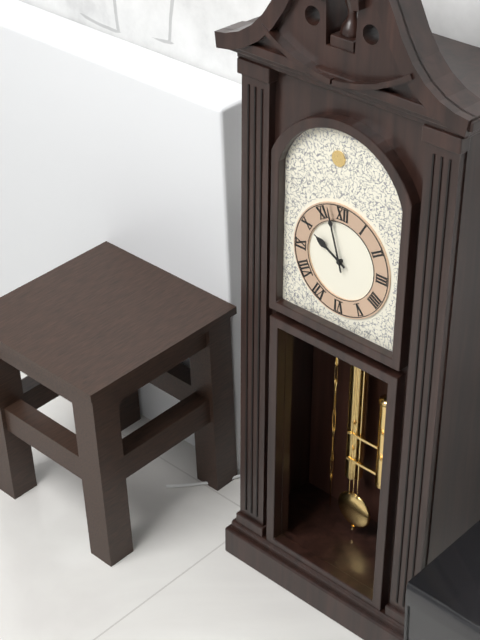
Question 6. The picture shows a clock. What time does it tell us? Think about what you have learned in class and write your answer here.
9:57
